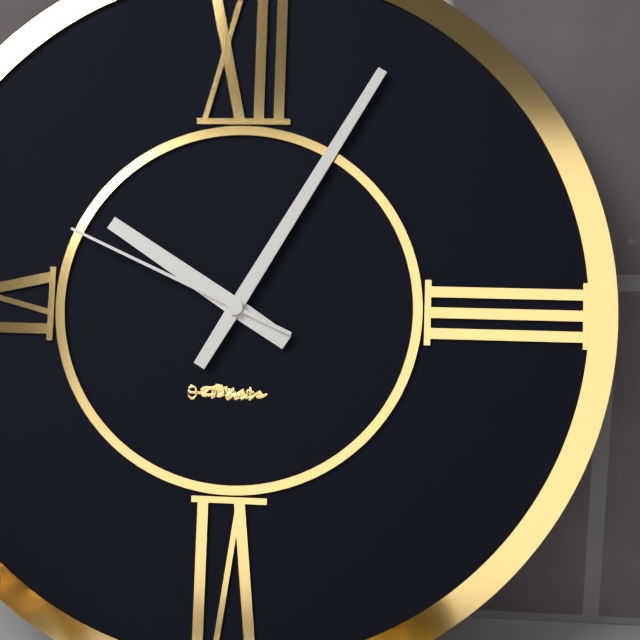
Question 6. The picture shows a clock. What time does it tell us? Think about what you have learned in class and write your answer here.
10:05:49
